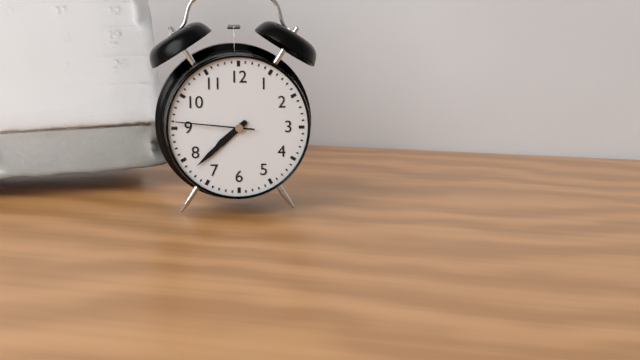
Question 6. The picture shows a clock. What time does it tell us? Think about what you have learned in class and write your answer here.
7:38:46
